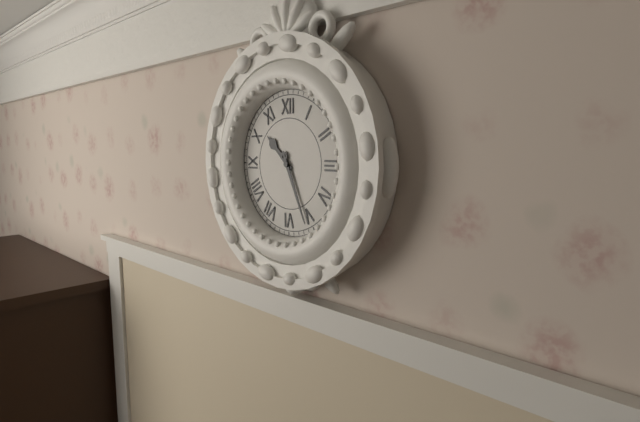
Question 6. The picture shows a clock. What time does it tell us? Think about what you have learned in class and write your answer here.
10:26
